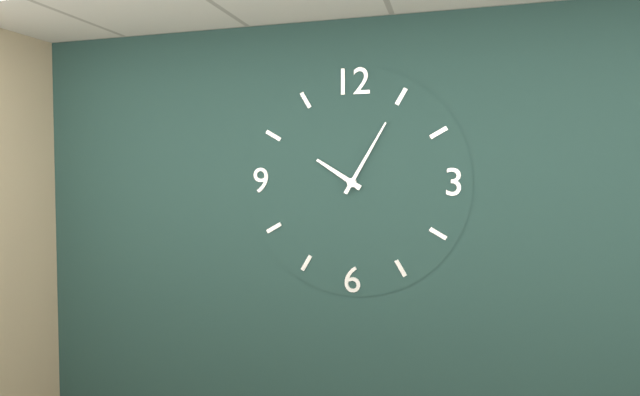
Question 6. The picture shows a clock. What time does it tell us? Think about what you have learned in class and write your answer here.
10:05
